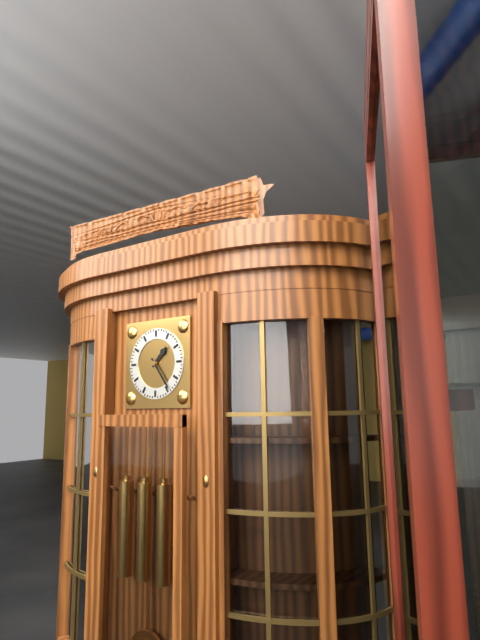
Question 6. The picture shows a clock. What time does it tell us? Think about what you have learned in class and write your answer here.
1:24
